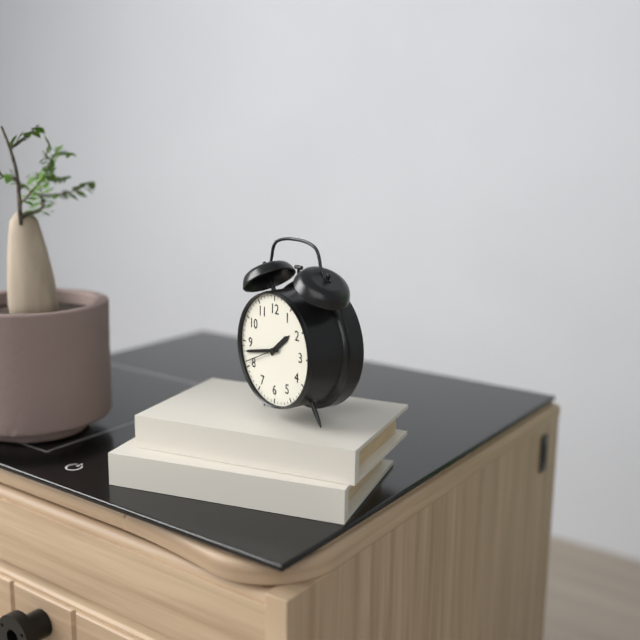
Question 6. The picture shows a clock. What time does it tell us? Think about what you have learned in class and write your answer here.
1:43
